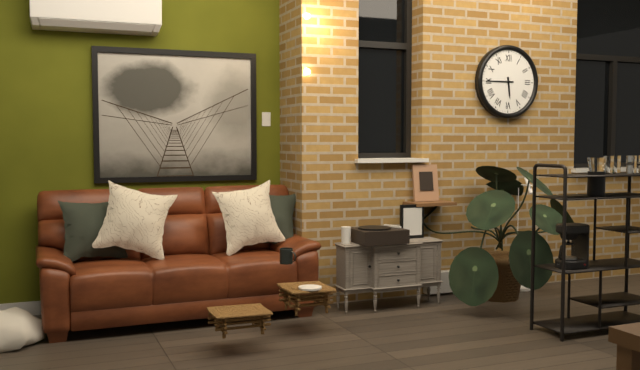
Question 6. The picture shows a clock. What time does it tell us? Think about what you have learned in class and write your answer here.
5:45
